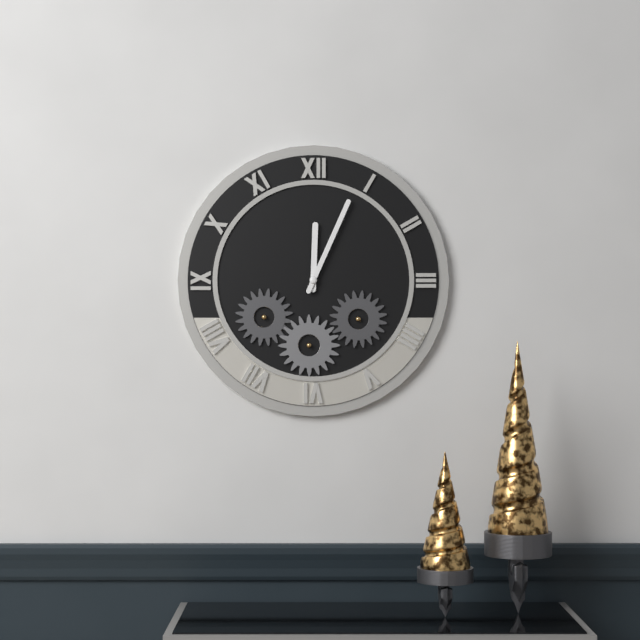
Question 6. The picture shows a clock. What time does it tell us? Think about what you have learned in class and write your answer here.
12:04
